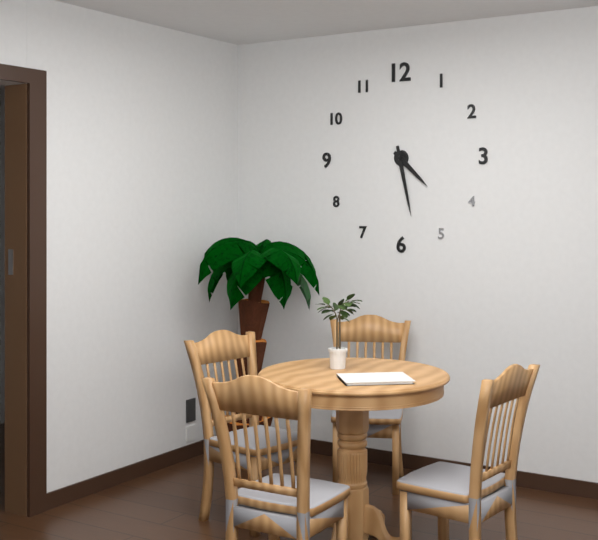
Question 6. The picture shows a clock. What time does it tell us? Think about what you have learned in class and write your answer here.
4:28
